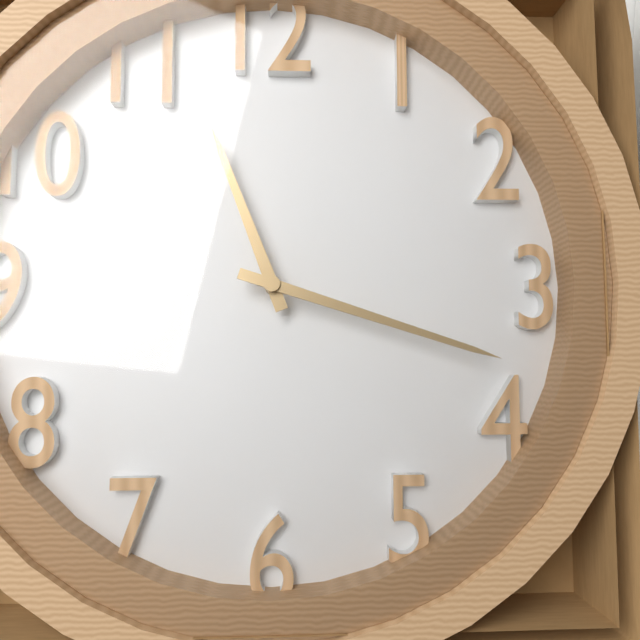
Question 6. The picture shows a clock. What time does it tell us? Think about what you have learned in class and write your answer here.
11:18
